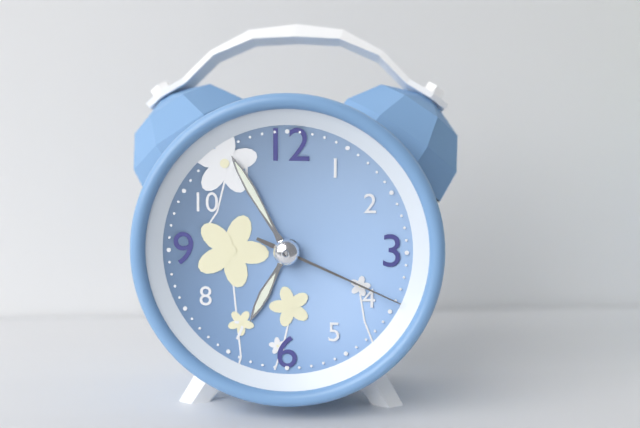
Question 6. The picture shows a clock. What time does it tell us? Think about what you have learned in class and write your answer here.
6:55:19
